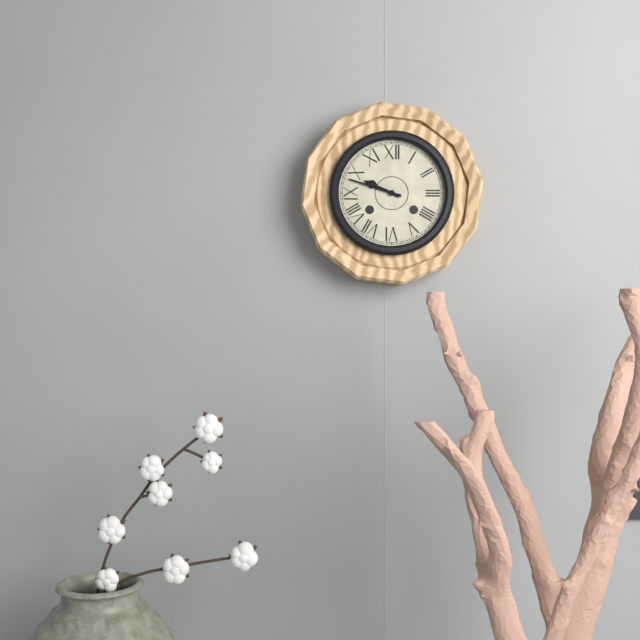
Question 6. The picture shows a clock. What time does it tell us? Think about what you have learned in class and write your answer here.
9:48
